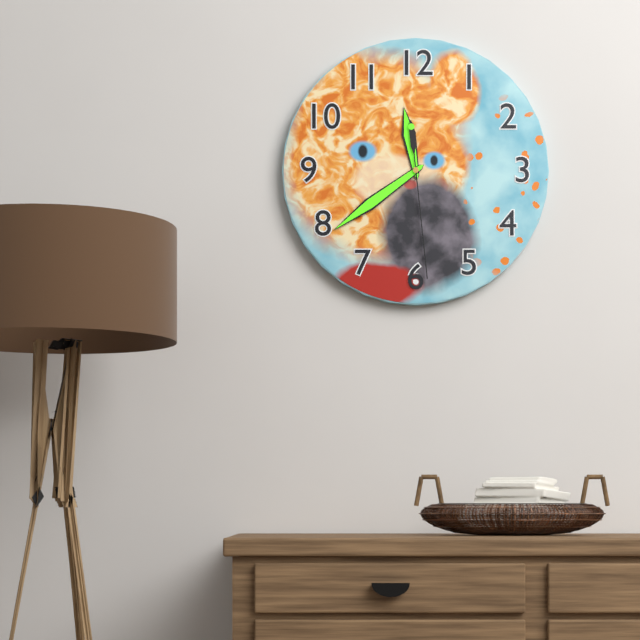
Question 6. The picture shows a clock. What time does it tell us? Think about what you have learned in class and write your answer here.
11:39:29
